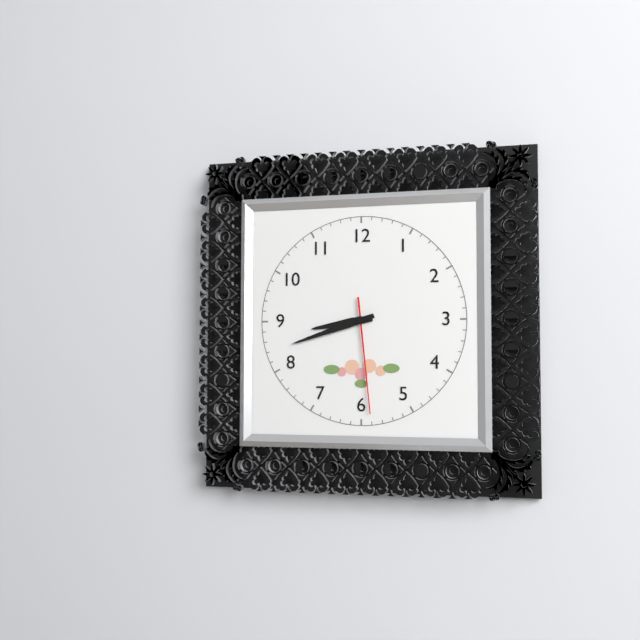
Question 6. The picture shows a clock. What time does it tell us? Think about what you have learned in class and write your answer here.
8:42:29
